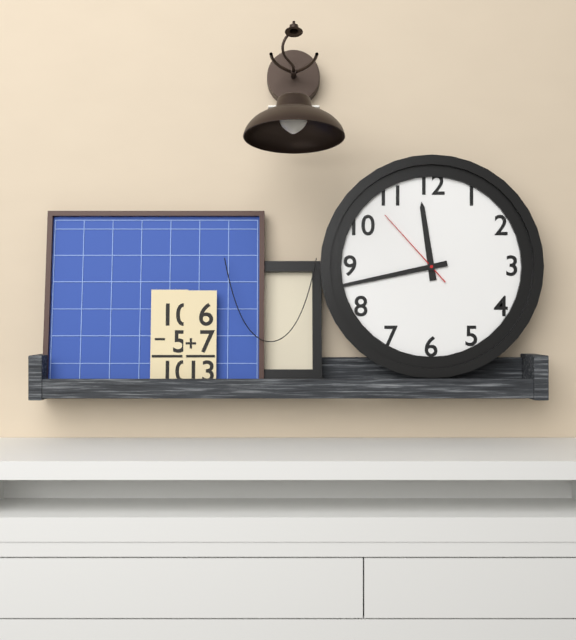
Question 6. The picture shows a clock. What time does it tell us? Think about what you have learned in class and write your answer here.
11:43:53
